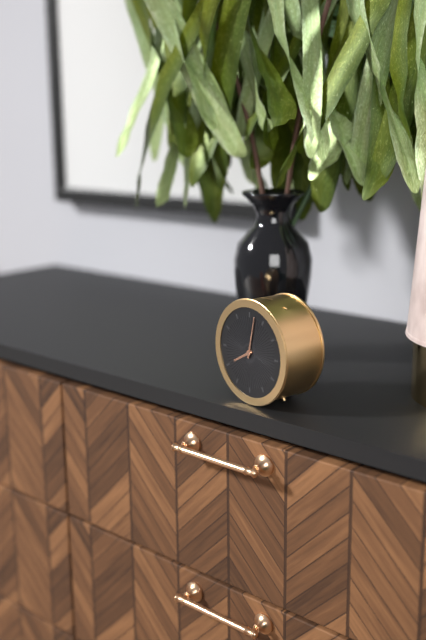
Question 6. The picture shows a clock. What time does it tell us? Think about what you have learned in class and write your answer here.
8:02
